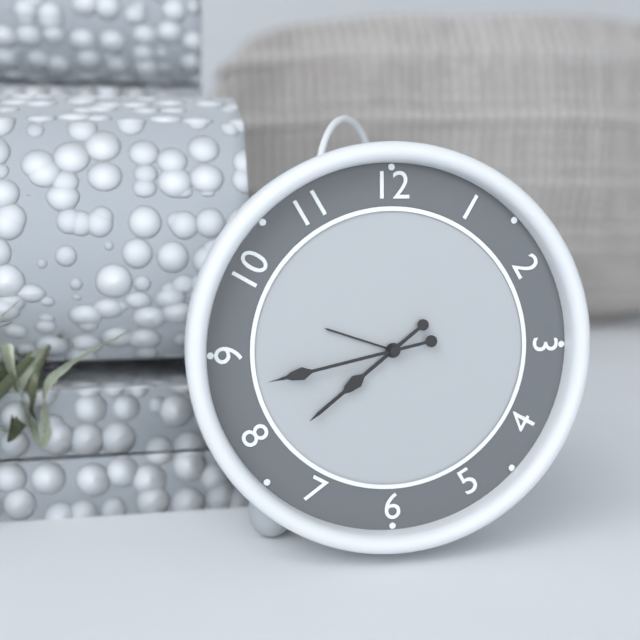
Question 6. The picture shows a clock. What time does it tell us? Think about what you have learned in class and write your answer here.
7:43
